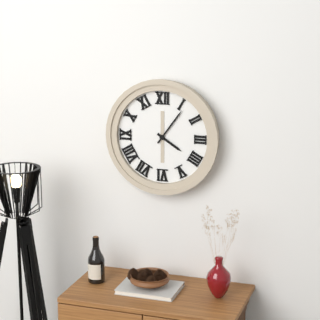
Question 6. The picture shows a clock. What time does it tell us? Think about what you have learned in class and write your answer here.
4:06
